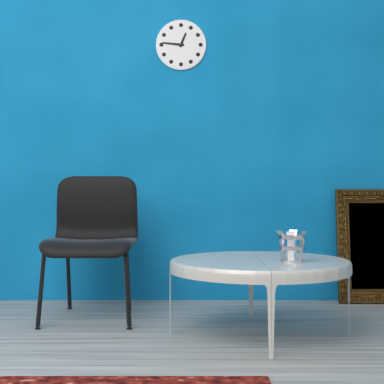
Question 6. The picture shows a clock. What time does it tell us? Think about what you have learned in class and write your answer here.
12:46
